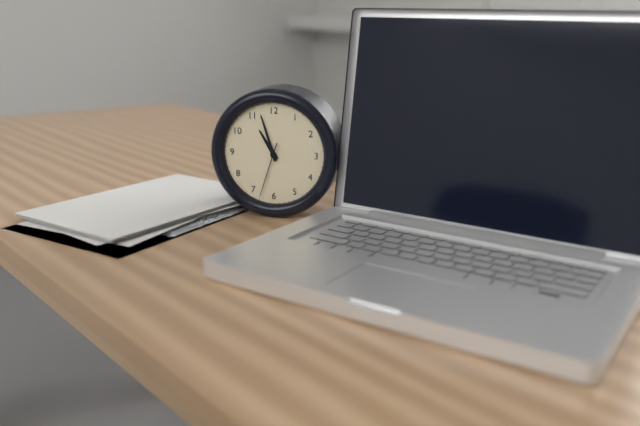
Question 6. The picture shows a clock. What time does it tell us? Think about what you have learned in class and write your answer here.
10:57:33
